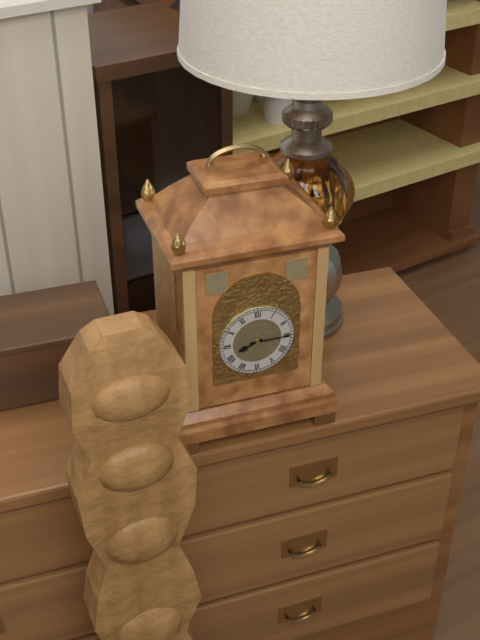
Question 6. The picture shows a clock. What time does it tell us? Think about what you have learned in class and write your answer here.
8:15
